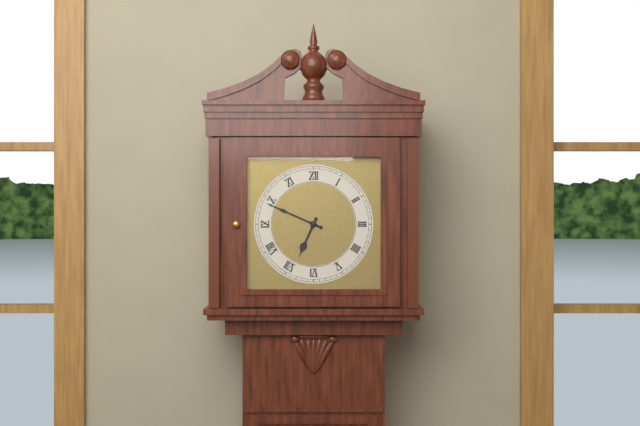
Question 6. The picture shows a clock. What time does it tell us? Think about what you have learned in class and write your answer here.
6:49
